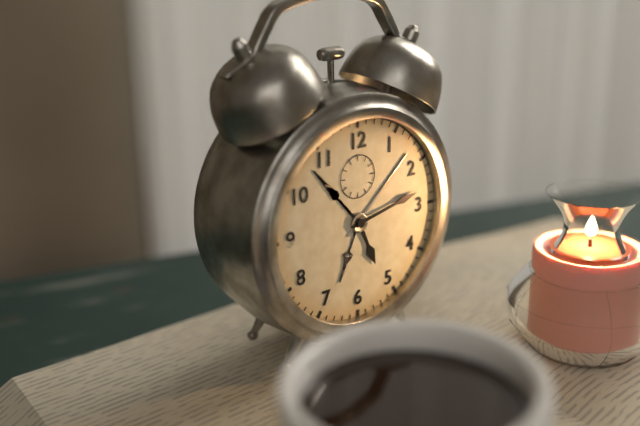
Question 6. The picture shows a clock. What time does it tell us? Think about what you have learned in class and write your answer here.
5:13
